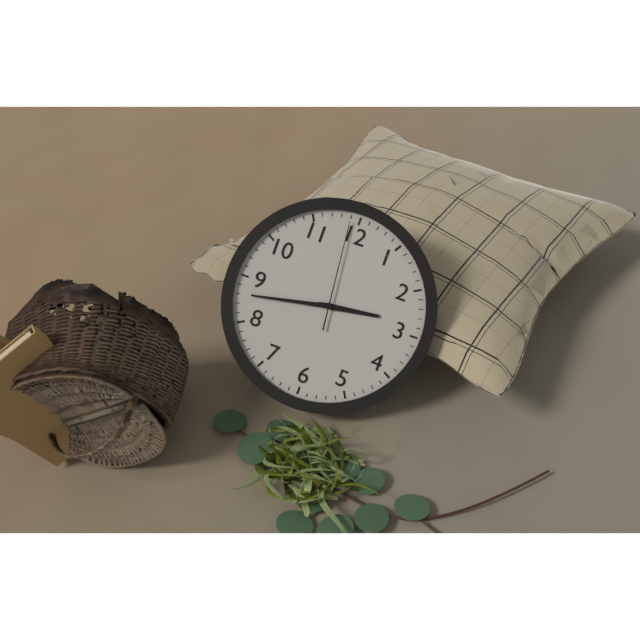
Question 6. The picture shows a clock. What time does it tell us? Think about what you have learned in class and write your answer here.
2:43:59
